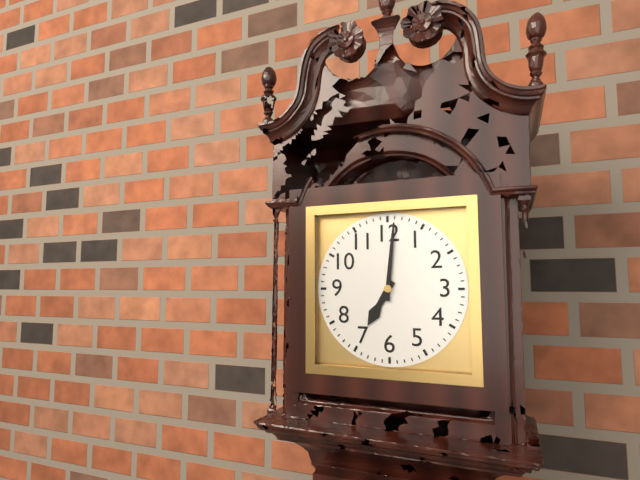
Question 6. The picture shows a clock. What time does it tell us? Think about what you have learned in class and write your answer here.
7:01
